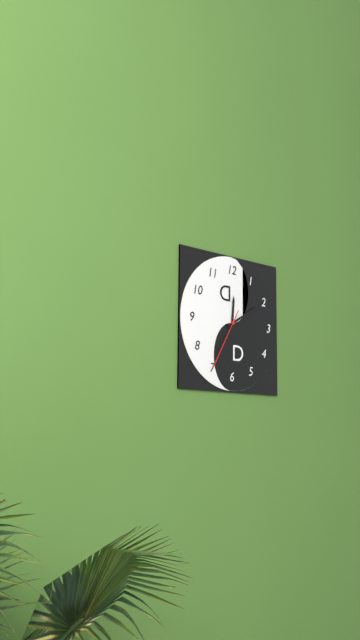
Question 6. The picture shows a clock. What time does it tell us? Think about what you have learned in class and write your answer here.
12:10:35
